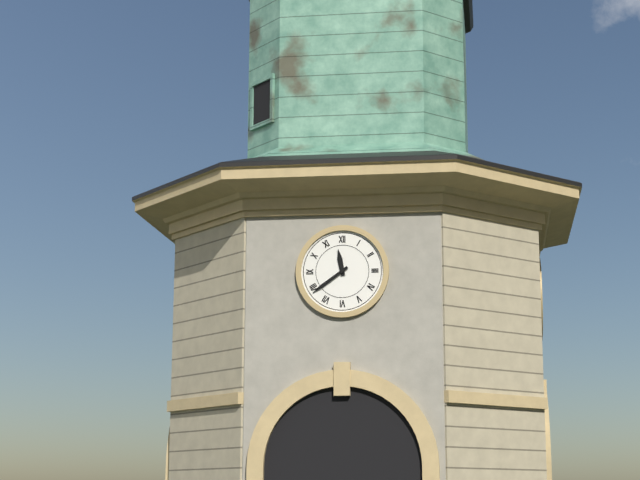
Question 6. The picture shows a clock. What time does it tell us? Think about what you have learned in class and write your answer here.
11:39
